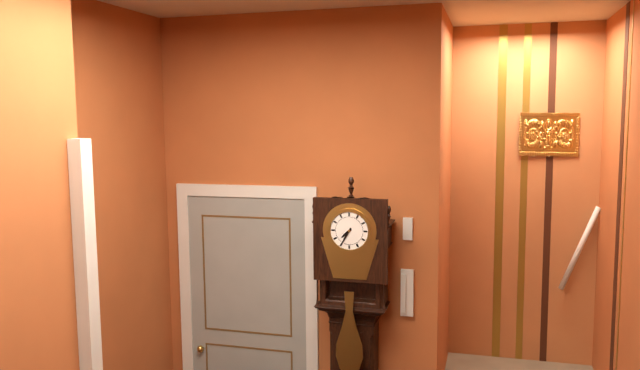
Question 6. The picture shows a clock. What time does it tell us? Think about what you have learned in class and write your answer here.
7:35
